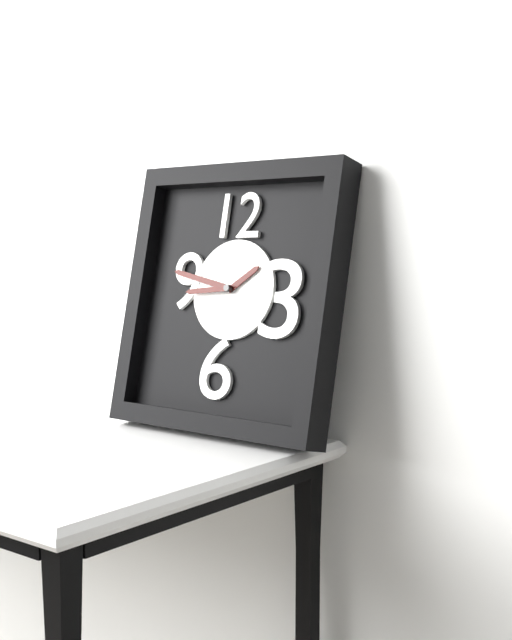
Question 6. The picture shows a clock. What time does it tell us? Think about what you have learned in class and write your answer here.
1:47:44
